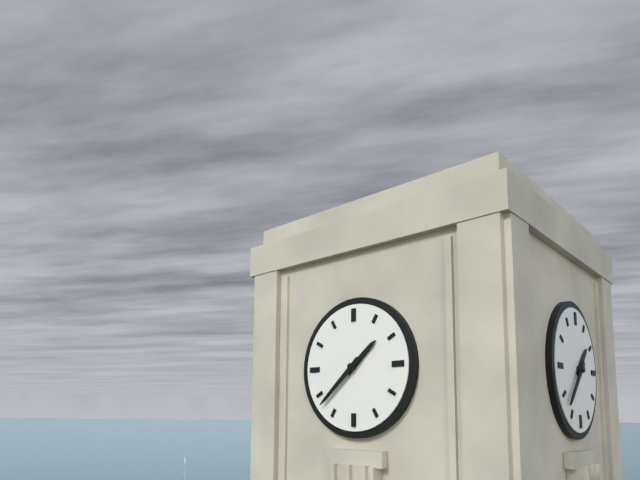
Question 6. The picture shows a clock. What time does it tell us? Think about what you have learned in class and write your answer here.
1:38
